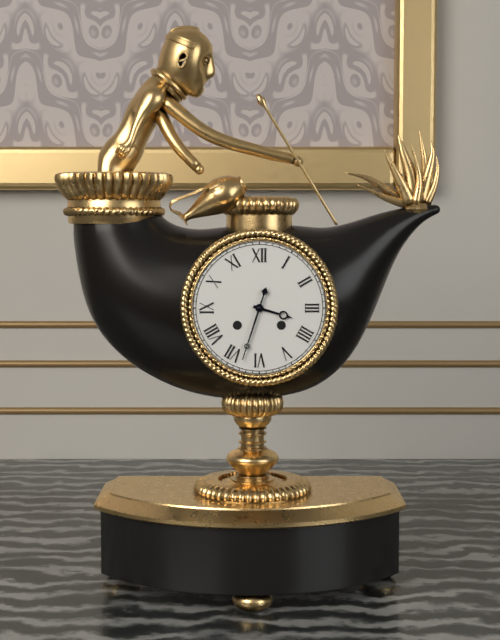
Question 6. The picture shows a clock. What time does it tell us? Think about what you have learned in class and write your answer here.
3:33
